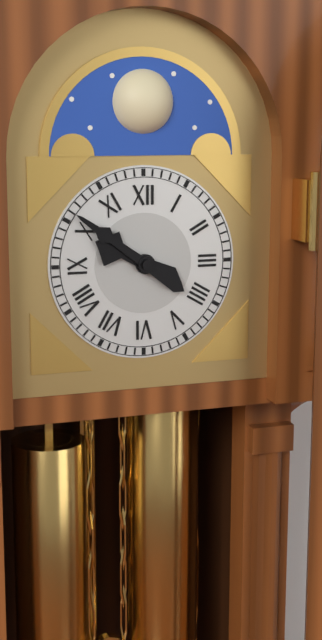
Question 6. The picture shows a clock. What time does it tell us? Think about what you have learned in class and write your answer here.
9:51
